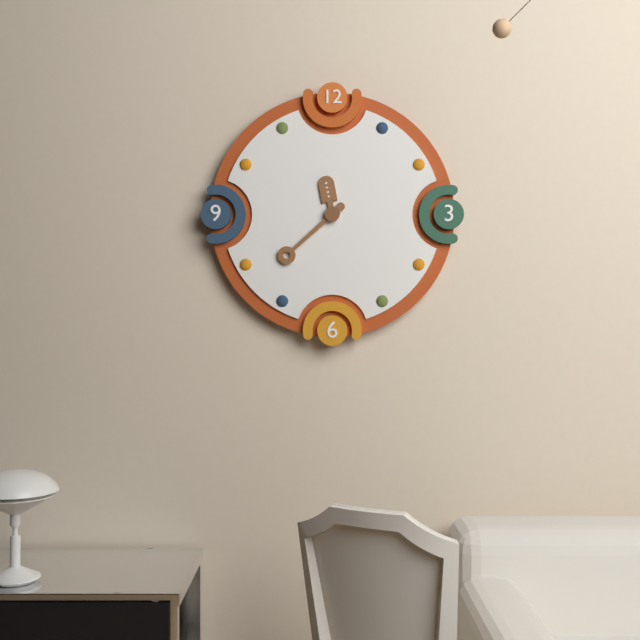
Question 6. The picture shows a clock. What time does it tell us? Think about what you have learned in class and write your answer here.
11:38
